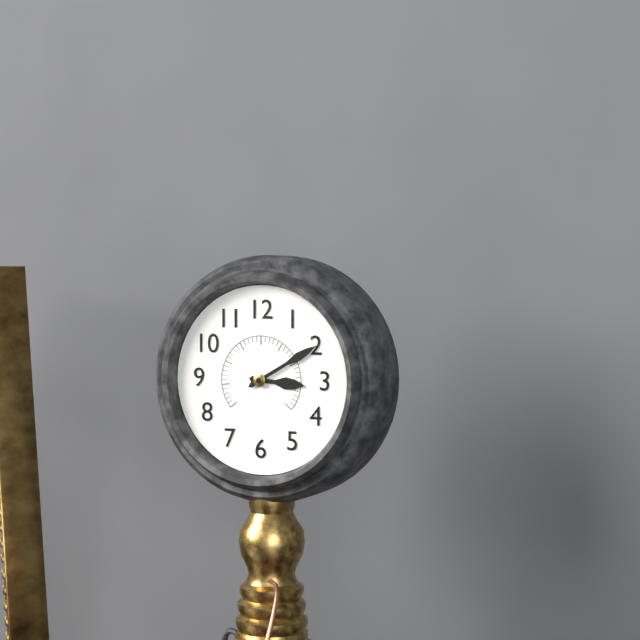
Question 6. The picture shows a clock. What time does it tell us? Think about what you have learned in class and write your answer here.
3:10
